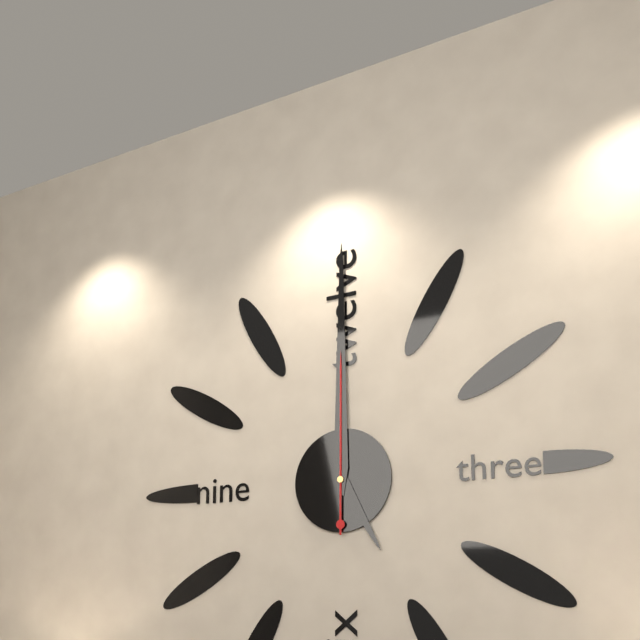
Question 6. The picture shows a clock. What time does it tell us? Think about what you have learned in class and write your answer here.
5:00:00
